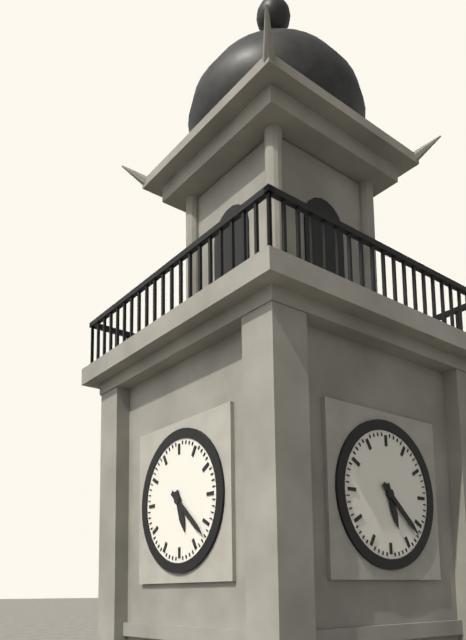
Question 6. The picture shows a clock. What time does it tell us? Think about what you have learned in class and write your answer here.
5:22
